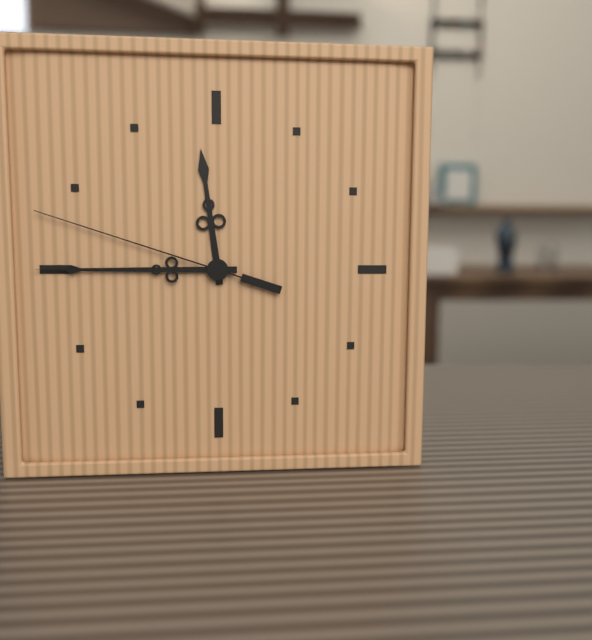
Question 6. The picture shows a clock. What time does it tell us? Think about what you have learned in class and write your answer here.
11:45:48
